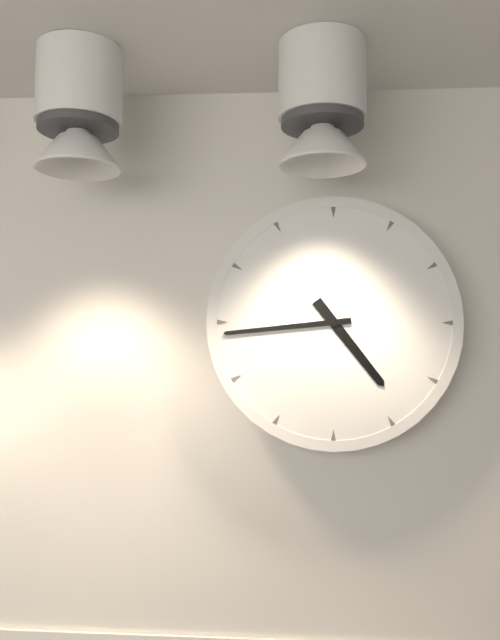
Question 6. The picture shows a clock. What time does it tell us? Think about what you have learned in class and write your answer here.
4:44
